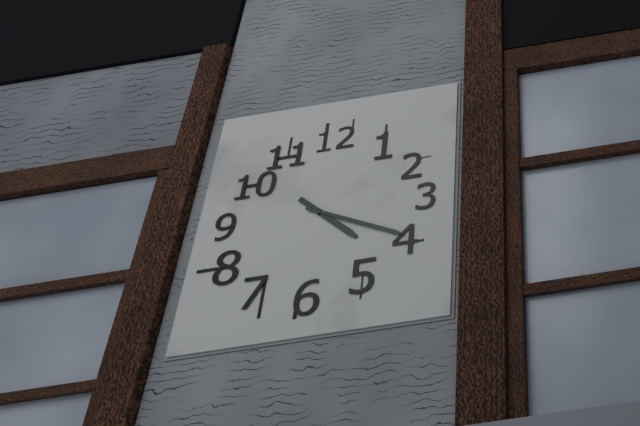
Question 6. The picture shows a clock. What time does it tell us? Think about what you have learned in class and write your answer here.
4:19
